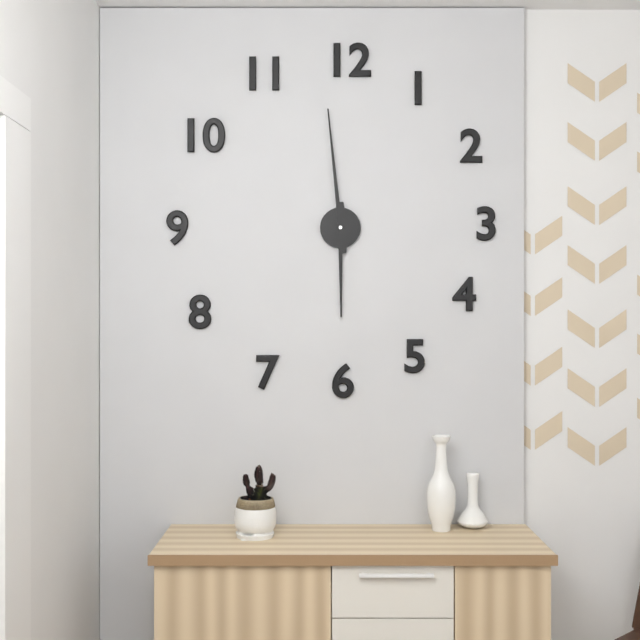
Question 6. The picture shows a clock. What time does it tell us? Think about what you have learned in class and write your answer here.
5:59
